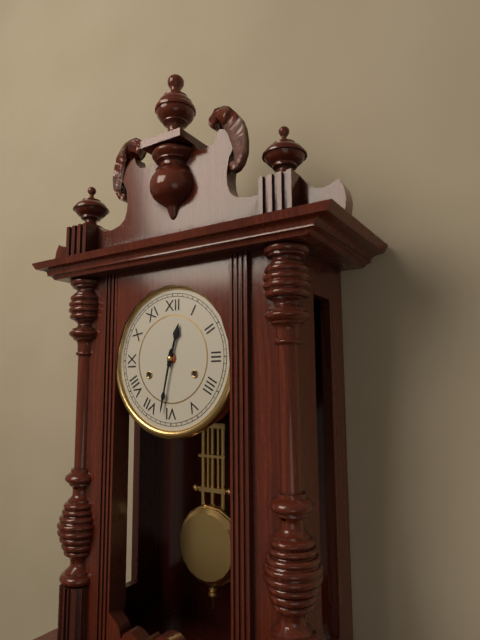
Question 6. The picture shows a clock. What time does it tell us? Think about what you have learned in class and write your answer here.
12:32
